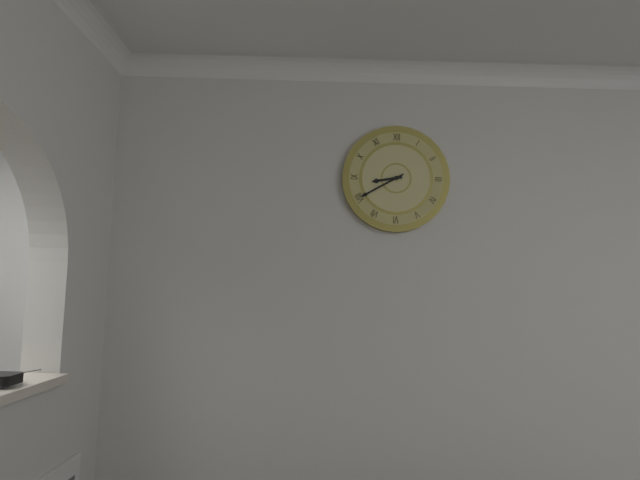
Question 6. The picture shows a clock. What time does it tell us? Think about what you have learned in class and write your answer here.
8:40
